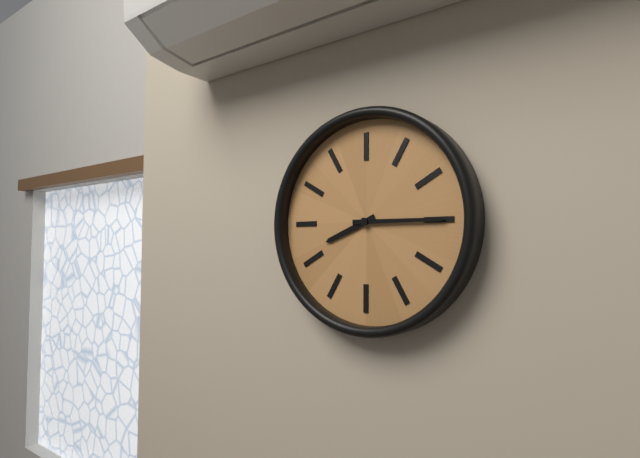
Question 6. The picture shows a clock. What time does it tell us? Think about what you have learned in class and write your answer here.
8:15
